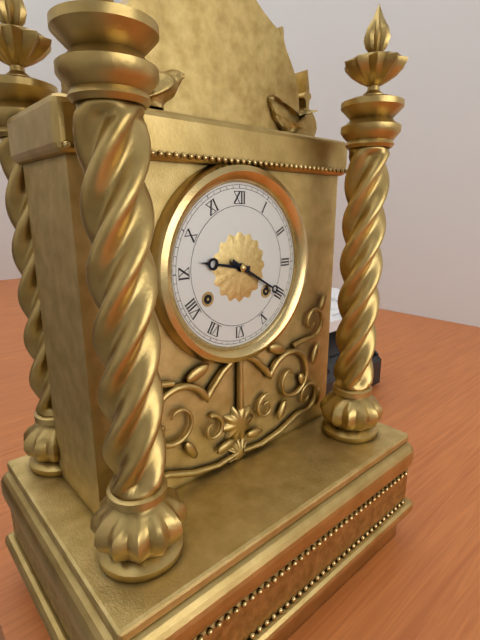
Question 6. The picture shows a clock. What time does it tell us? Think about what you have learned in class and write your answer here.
9:20
